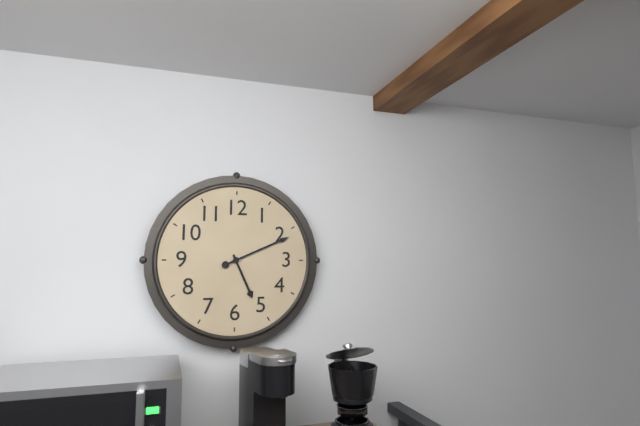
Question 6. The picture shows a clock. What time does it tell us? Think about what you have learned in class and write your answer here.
5:11
